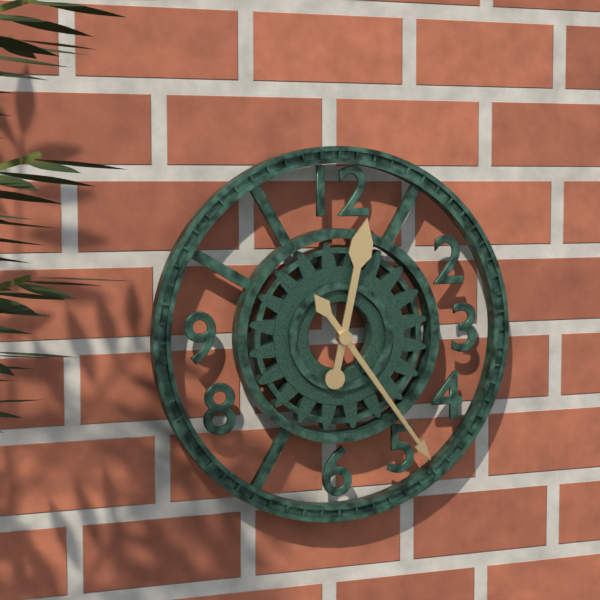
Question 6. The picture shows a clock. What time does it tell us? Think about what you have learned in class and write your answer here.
12:24
